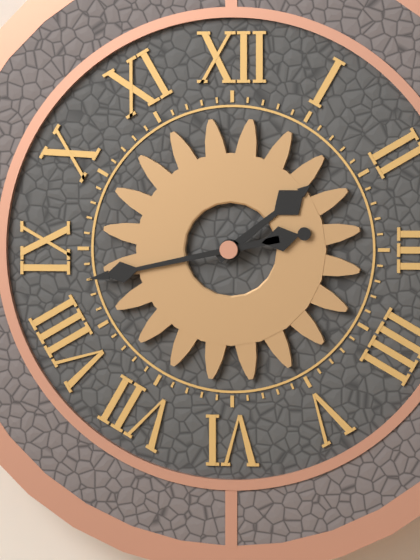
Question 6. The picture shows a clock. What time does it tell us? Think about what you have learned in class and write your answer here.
1:43
